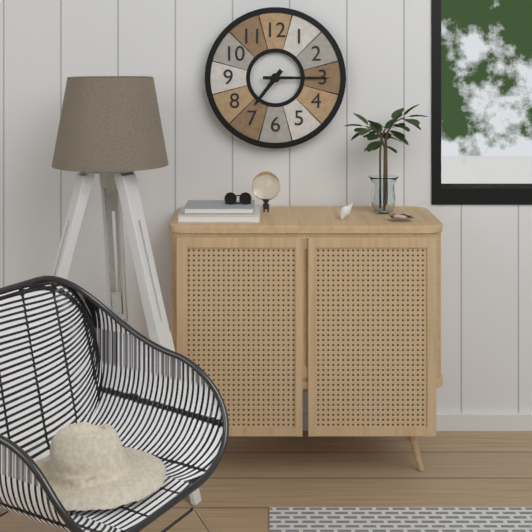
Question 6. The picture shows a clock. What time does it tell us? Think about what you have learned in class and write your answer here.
7:15
